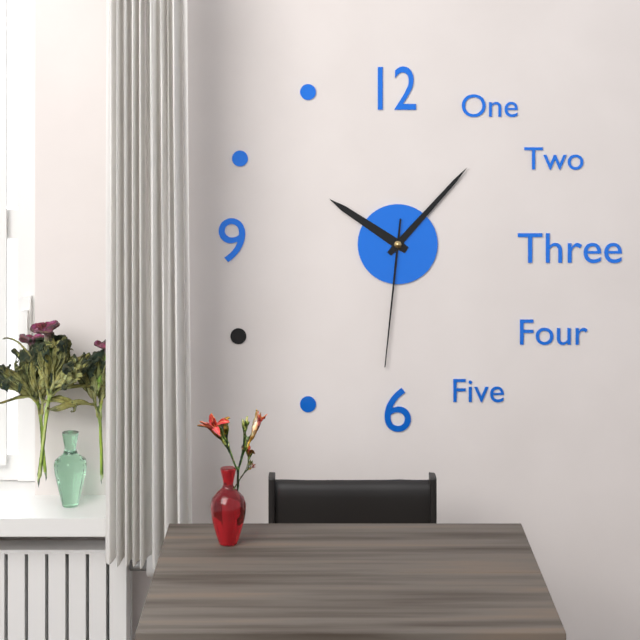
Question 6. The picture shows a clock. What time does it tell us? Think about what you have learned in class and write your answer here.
10:07:31
